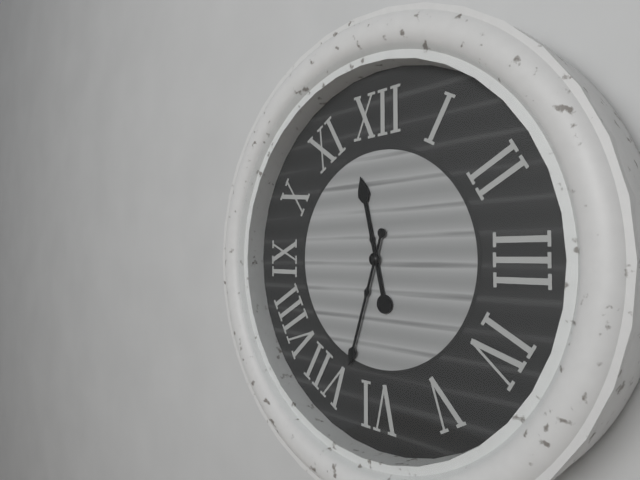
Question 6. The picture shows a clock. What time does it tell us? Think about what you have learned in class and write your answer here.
11:33
